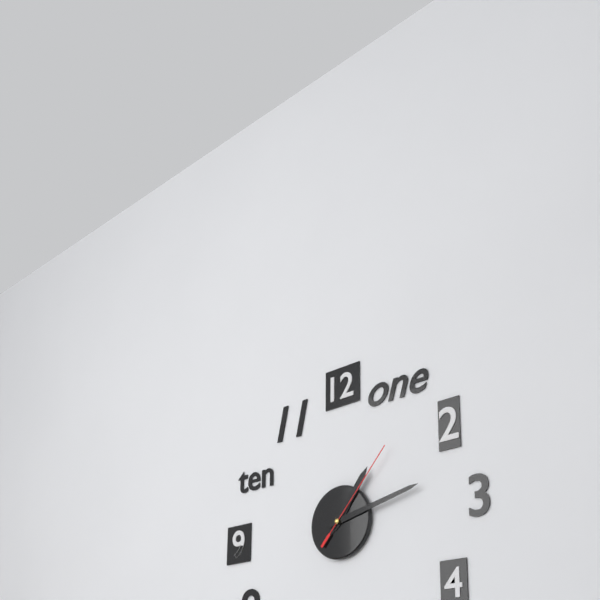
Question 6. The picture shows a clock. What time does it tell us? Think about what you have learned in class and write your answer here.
1:13:07
